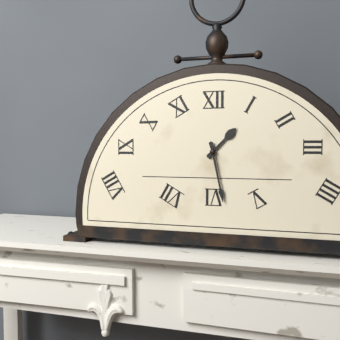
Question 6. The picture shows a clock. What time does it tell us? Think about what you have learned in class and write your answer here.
1:28
